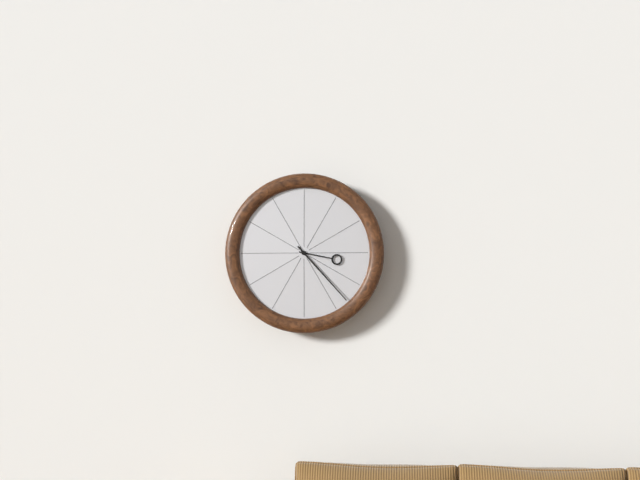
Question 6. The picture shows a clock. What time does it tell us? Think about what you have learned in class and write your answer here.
3:23
